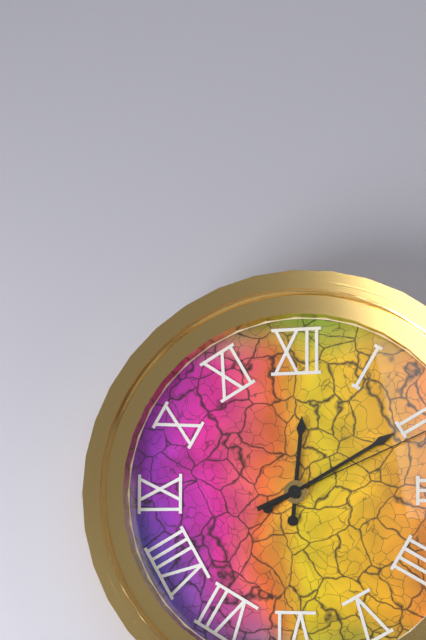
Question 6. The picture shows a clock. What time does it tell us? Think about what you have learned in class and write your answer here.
12:10
